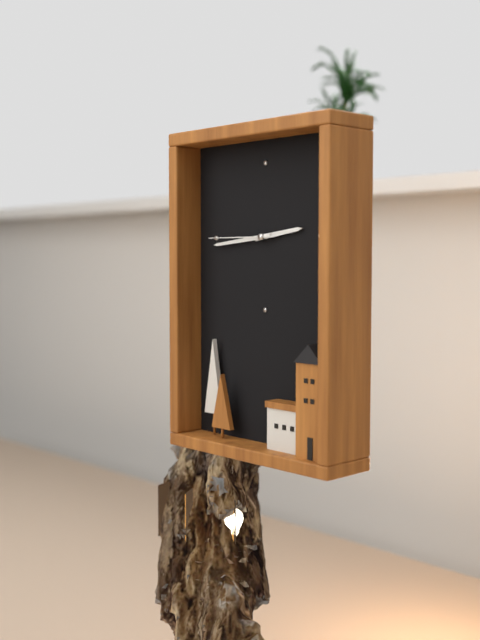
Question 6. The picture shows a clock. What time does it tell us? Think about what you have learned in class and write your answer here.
2:44:45
